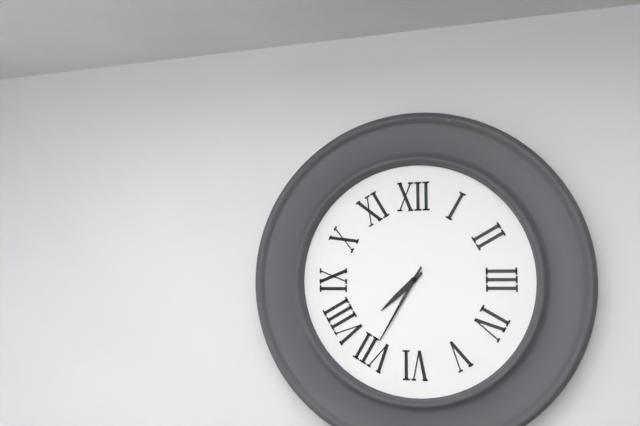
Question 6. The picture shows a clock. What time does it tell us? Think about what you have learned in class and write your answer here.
7:35
